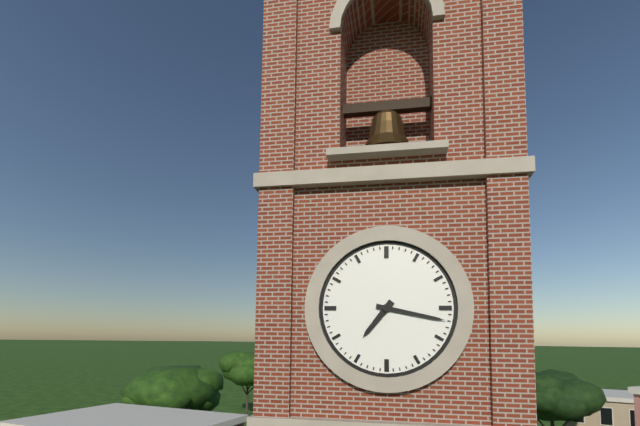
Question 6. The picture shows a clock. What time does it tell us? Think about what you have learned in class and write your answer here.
7:17
